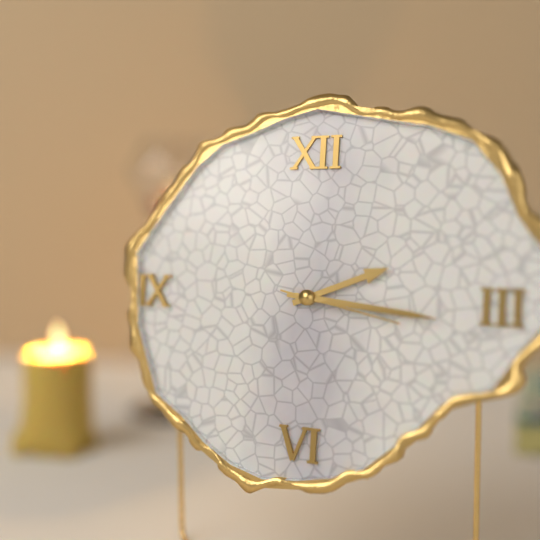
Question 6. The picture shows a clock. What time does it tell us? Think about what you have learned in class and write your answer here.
2:16:17
